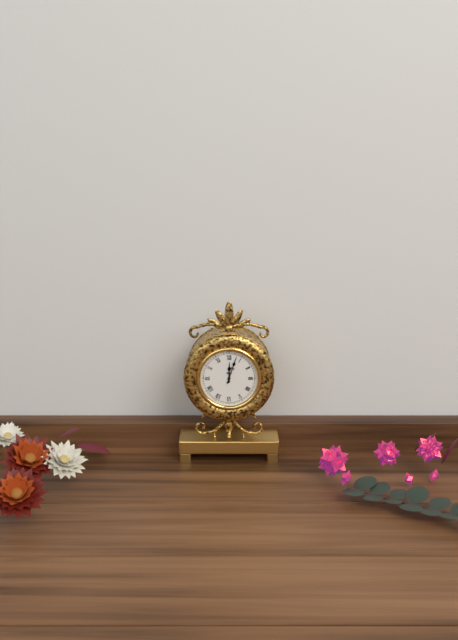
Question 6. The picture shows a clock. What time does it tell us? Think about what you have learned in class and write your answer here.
12:03
